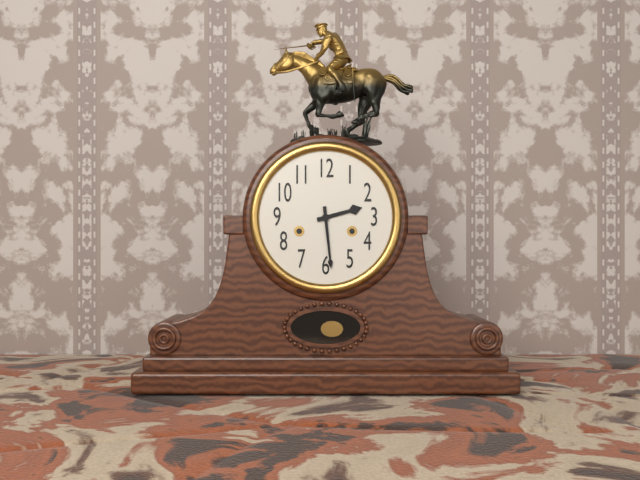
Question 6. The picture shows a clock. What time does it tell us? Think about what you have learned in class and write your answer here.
2:29
